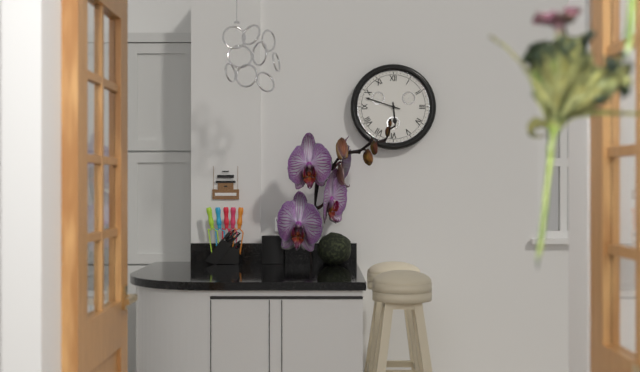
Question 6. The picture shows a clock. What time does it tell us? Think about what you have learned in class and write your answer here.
5:48
